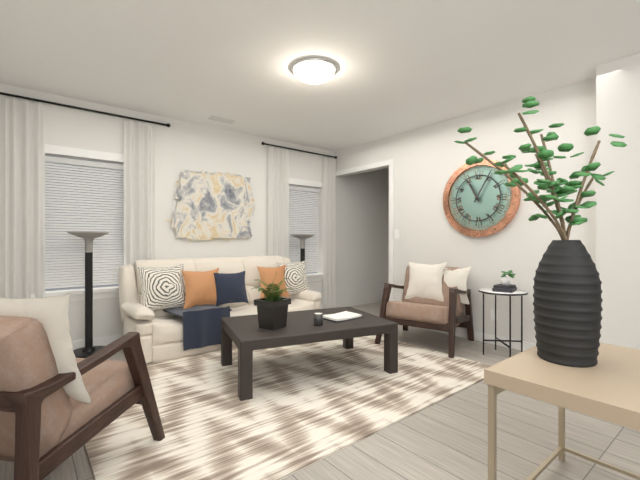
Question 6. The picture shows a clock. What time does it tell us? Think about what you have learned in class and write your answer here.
11:05
